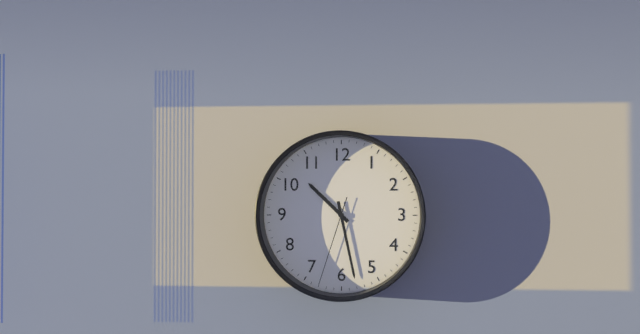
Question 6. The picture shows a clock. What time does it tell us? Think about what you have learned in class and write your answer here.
10:28:33
